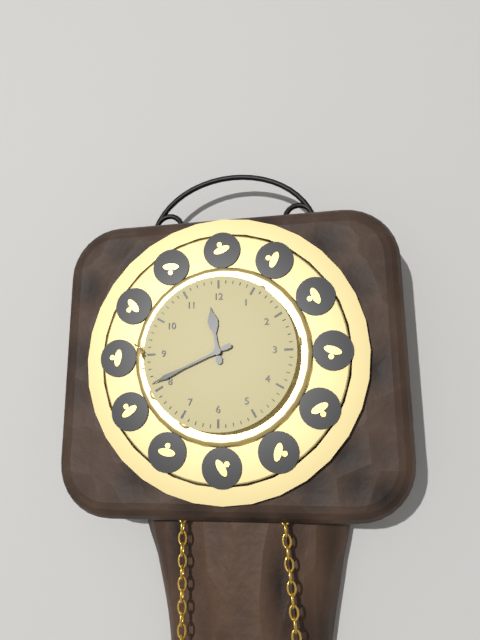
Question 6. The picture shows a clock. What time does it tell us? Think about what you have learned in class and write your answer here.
11:41
